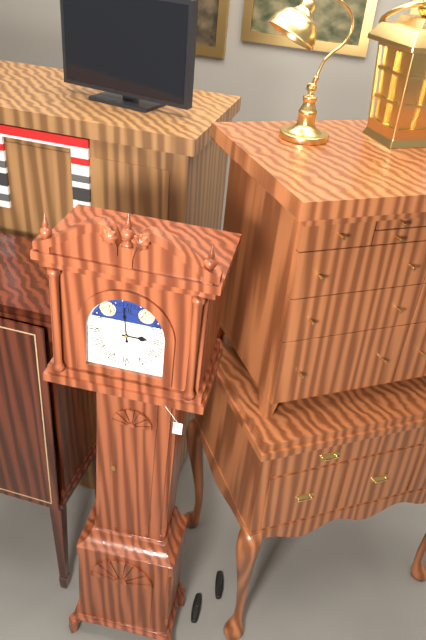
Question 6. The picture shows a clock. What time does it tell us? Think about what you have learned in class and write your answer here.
2:59
